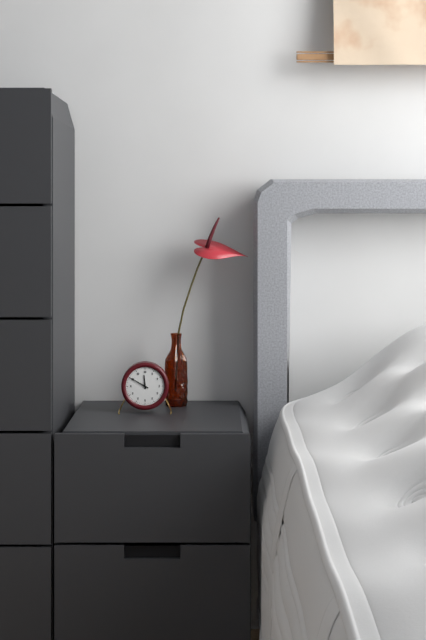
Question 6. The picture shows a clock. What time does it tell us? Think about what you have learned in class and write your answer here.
11:50
